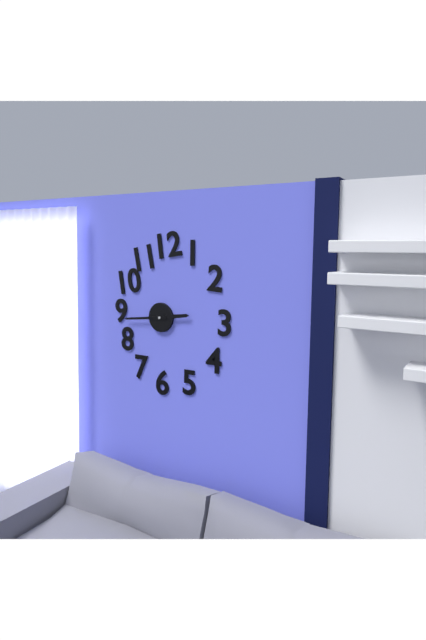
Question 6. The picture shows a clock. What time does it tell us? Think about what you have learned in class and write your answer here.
2:44
